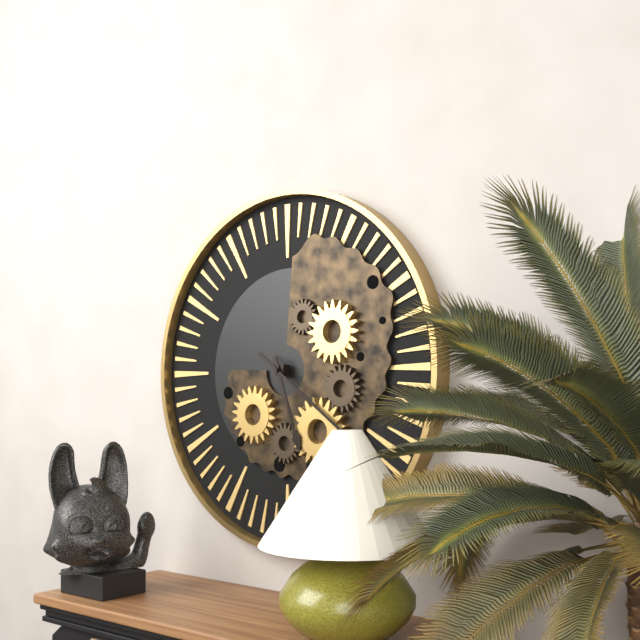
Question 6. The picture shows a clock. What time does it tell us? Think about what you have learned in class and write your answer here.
5:21
